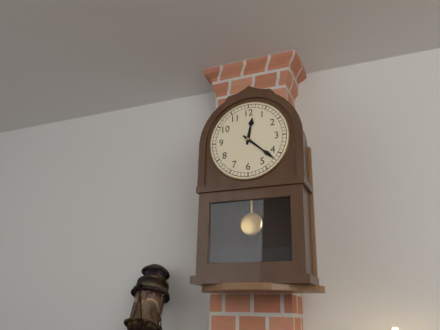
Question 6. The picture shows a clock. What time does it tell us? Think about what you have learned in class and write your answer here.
12:22
